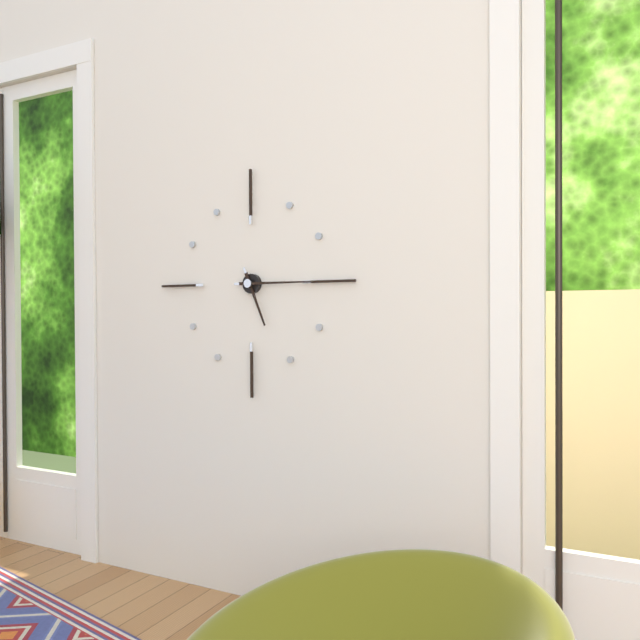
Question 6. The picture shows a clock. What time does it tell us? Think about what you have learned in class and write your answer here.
5:15
